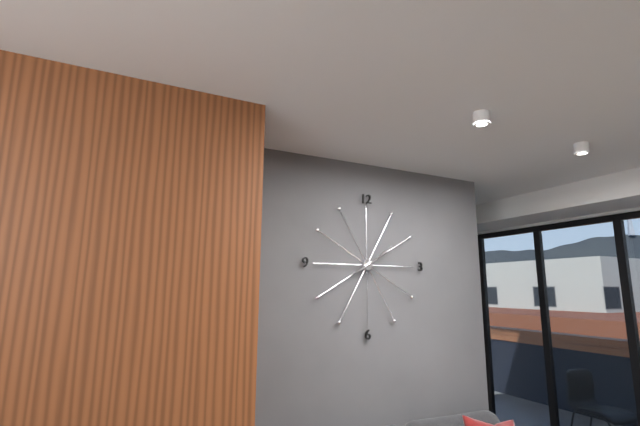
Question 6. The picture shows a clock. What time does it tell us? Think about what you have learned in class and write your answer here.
8:09
